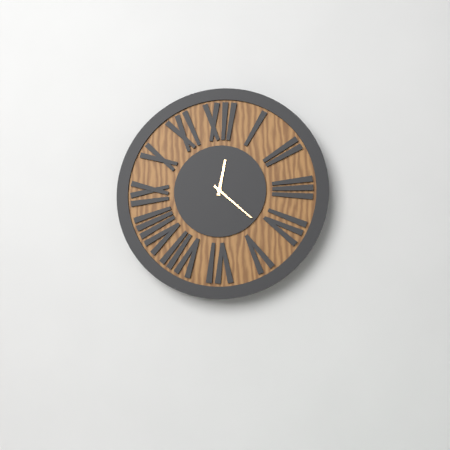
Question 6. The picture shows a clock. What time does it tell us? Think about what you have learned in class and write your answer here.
12:22
